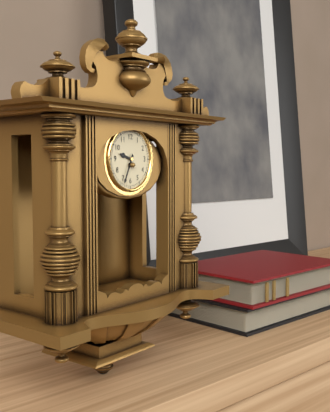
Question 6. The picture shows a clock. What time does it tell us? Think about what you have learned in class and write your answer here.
9:34
